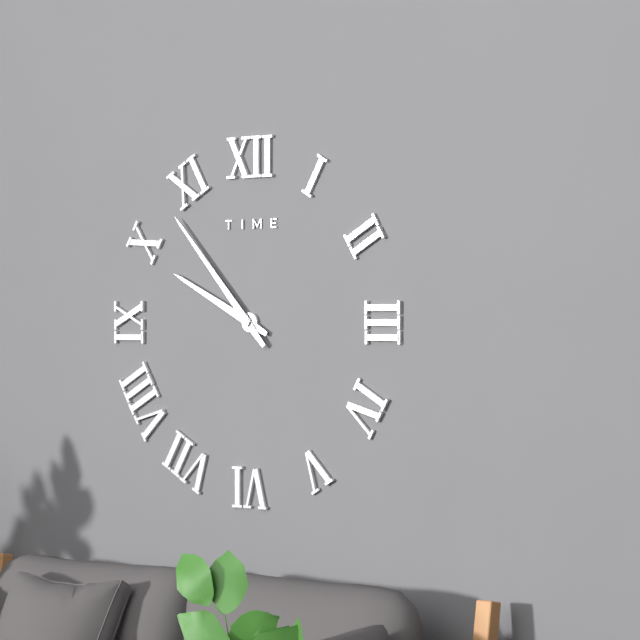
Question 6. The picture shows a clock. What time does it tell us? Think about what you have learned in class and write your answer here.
9:53
